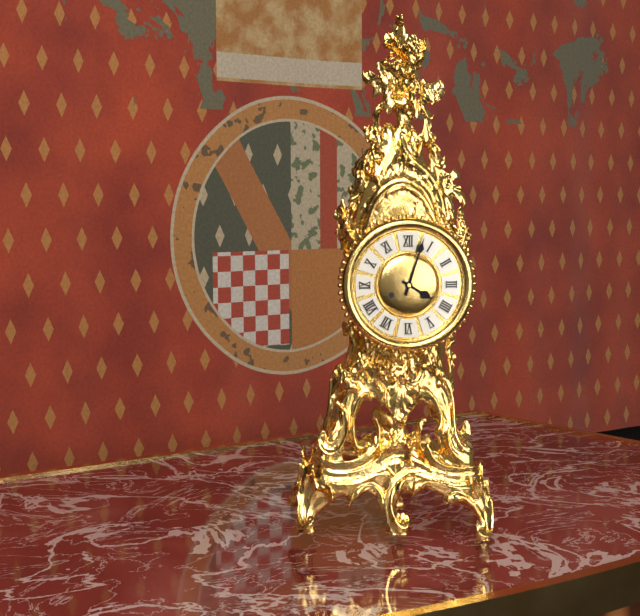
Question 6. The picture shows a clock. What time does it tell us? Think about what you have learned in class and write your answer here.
4:03
